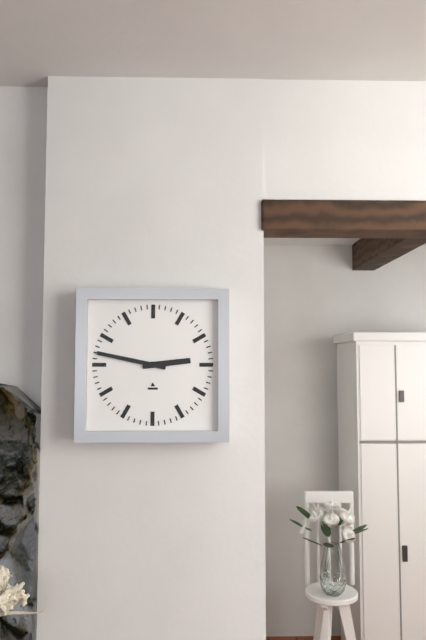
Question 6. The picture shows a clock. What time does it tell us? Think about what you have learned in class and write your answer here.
2:47
